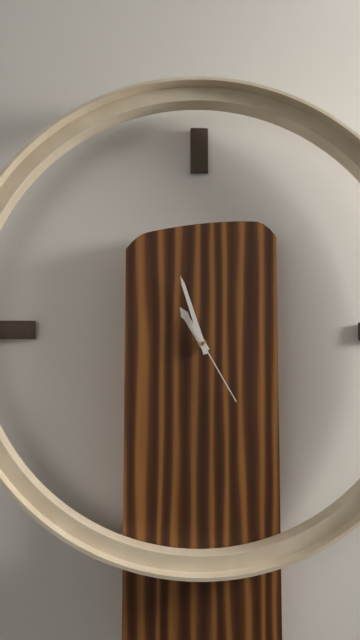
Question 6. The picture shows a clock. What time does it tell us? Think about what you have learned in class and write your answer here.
10:57:25
